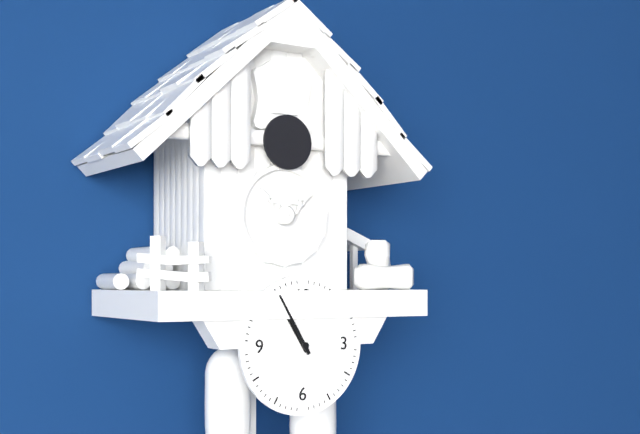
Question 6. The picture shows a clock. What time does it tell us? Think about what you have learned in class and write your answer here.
10:55
